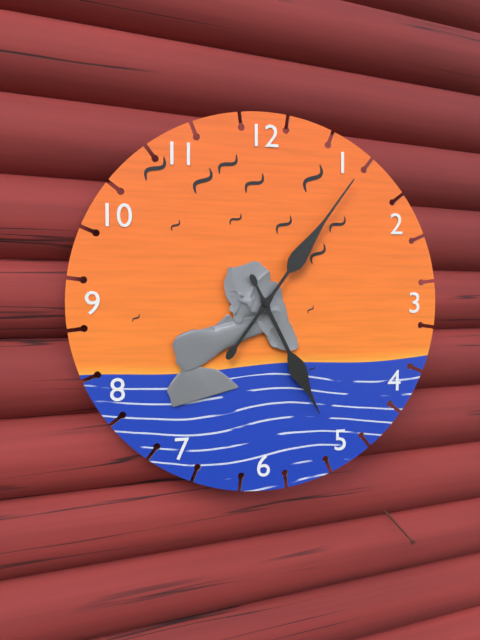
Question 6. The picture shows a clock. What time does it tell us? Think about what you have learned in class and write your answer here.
5:06
